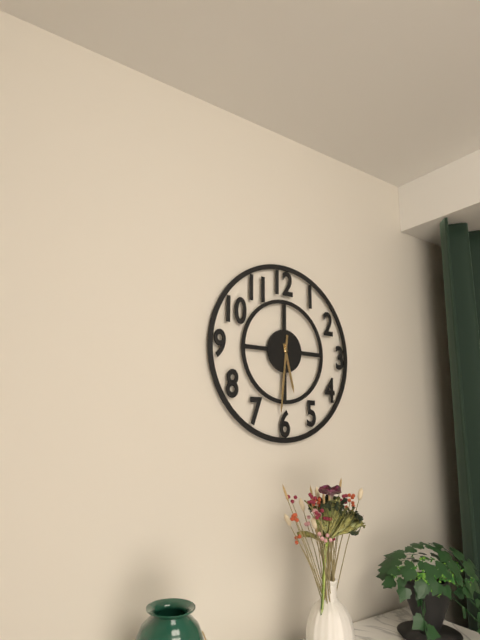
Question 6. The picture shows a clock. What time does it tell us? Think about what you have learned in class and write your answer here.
5:31
